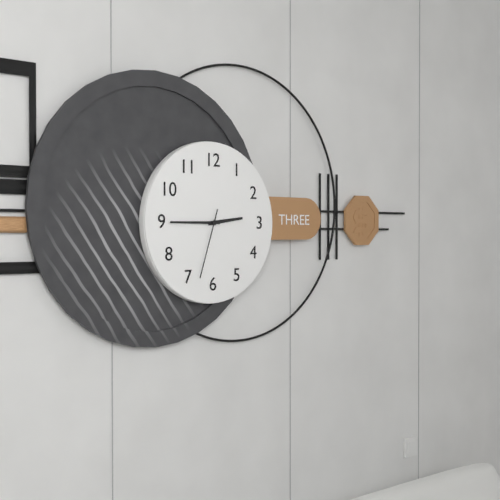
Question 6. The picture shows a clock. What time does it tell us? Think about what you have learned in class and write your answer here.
2:45:33
